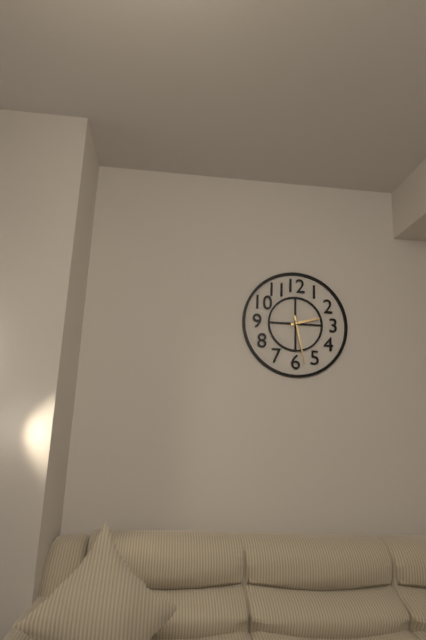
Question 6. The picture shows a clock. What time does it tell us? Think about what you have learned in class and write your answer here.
2:28
